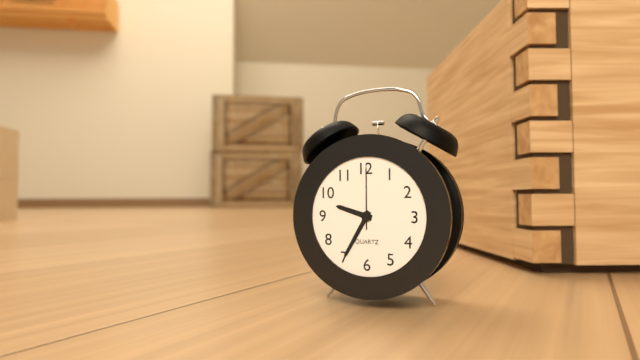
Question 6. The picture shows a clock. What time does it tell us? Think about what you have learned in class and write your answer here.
9:35:00
